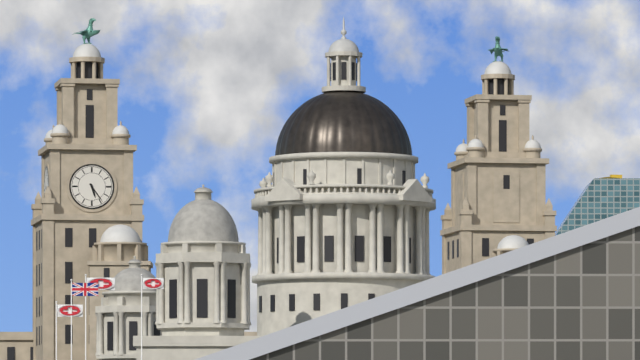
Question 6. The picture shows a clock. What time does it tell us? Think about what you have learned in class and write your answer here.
5:24
